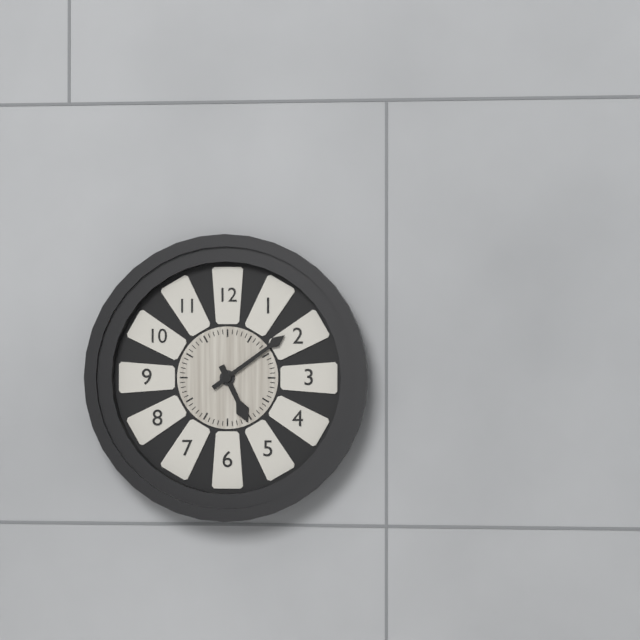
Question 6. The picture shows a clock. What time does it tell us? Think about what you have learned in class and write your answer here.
5:09
